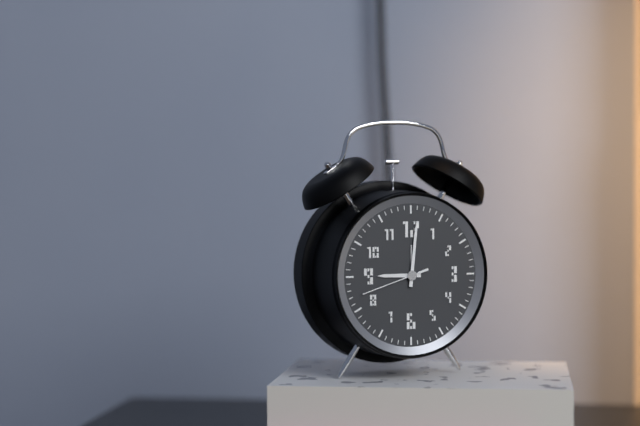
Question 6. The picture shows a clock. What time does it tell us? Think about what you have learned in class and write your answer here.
9:01:42
